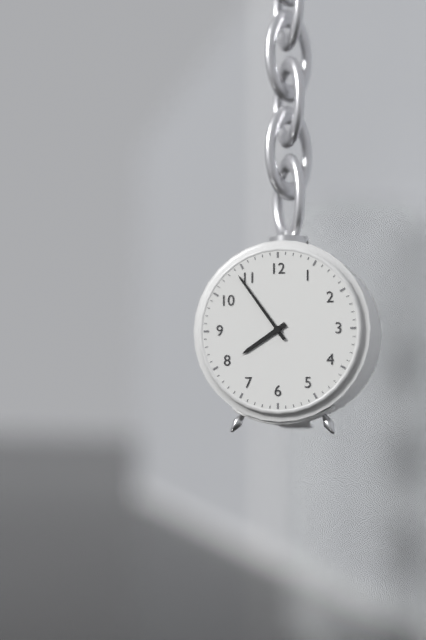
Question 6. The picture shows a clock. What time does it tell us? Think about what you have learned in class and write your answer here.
7:54
